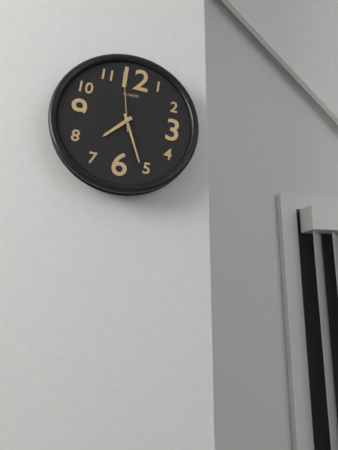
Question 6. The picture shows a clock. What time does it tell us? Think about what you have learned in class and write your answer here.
7:26:58
